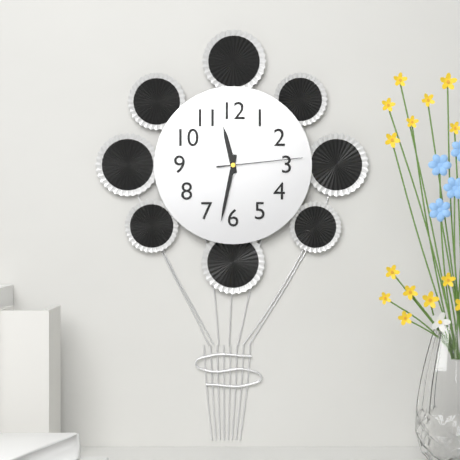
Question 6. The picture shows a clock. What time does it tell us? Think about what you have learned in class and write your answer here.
11:32:14
